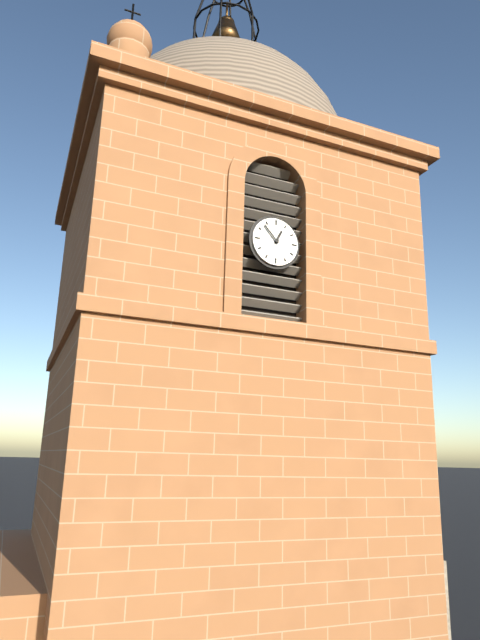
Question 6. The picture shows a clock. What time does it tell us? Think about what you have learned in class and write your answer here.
12:53
